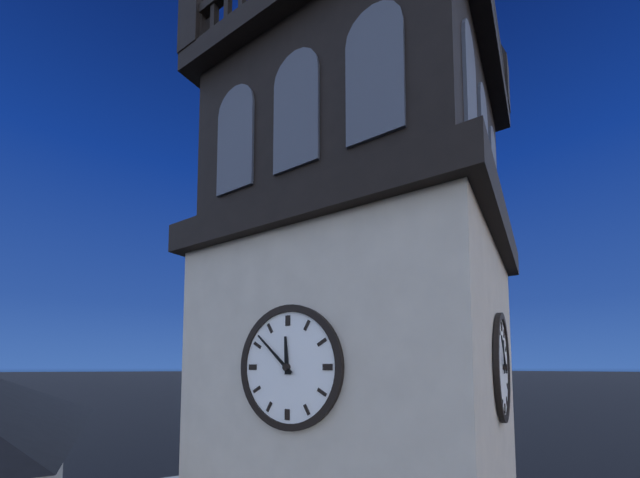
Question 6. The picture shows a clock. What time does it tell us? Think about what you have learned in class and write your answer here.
11:52
